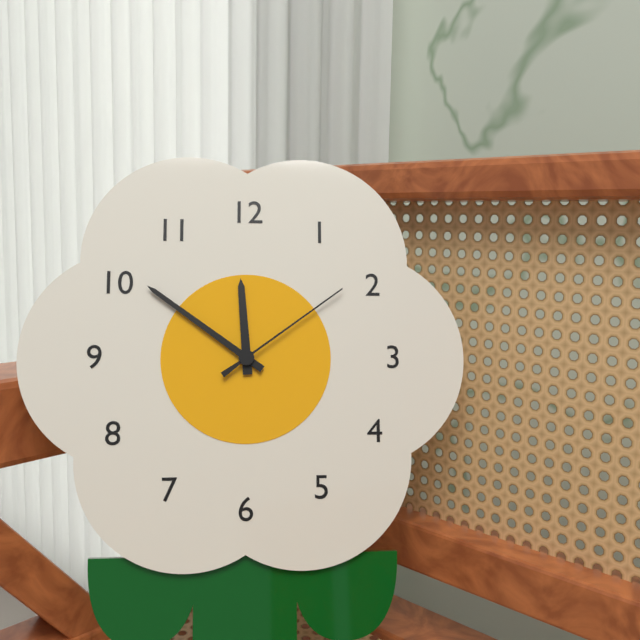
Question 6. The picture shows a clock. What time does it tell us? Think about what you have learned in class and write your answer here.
11:51:09
